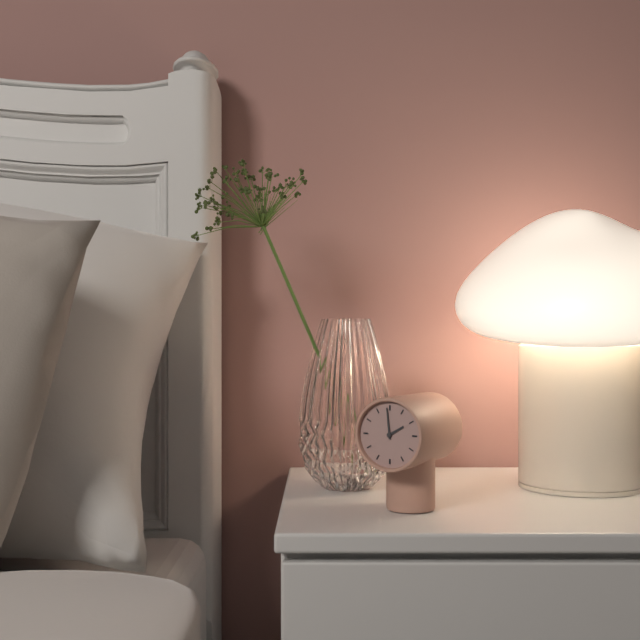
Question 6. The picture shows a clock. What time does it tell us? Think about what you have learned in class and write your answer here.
1:59
